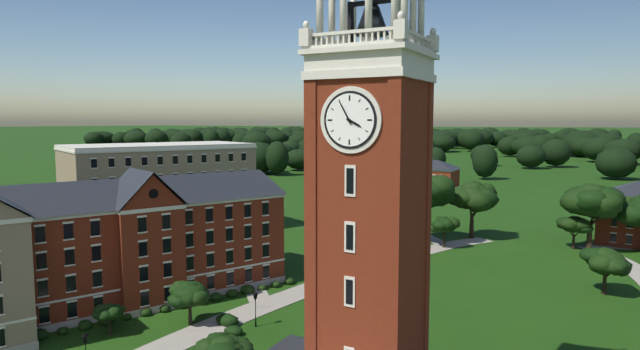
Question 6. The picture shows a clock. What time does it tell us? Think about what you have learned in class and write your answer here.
3:55
